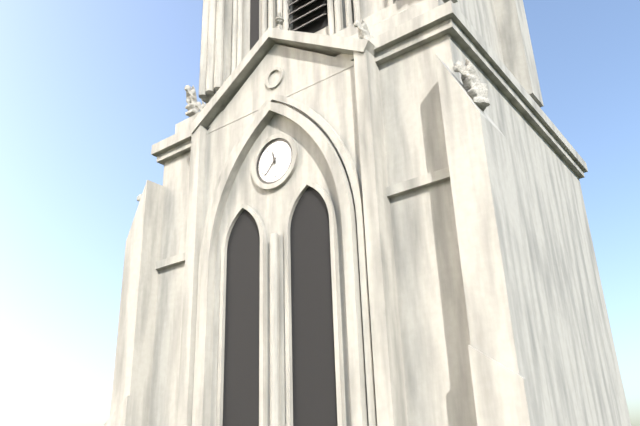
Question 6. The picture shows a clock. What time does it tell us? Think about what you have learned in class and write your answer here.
11:37
